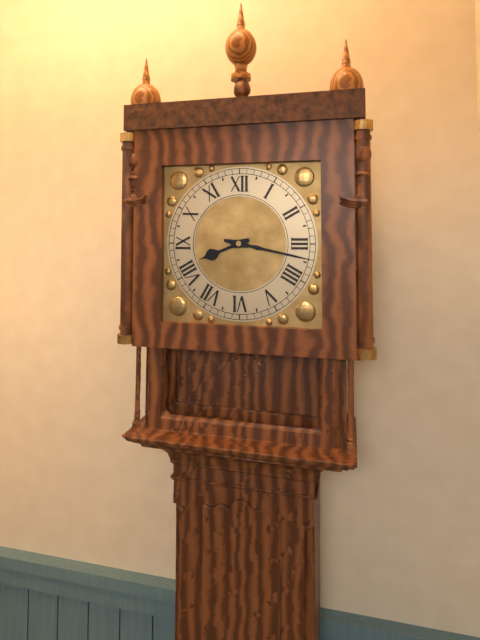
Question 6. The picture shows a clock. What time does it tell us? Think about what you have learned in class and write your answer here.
8:17
